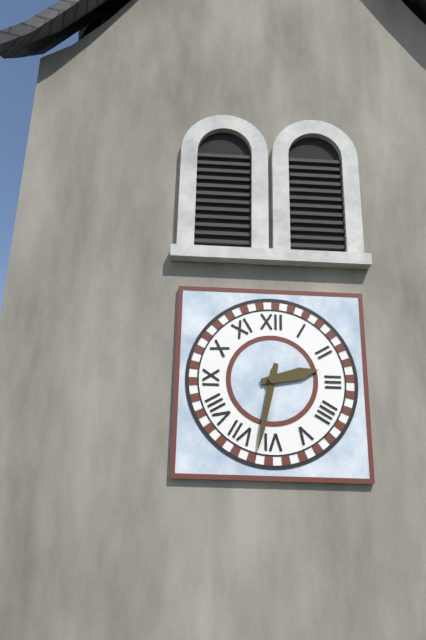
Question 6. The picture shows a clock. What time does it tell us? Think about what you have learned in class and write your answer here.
2:32
